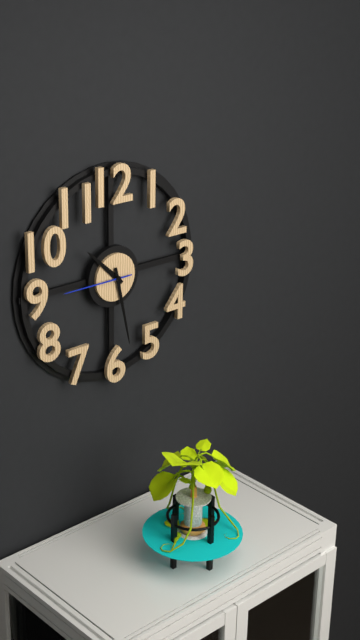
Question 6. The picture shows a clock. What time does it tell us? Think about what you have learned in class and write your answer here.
10:28:45
